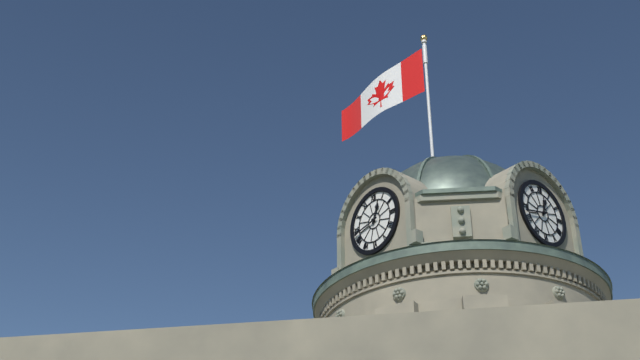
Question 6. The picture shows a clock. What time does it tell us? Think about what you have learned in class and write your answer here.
12:43
